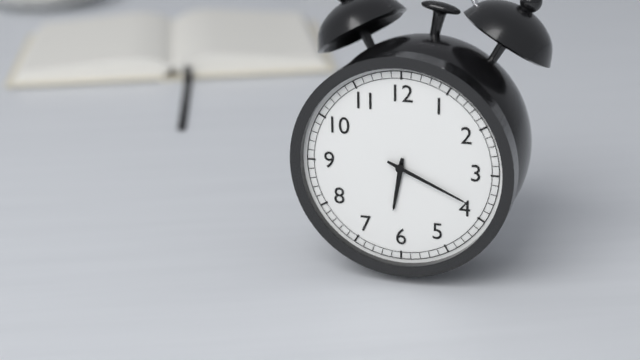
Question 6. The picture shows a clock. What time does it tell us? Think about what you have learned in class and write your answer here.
6:19
